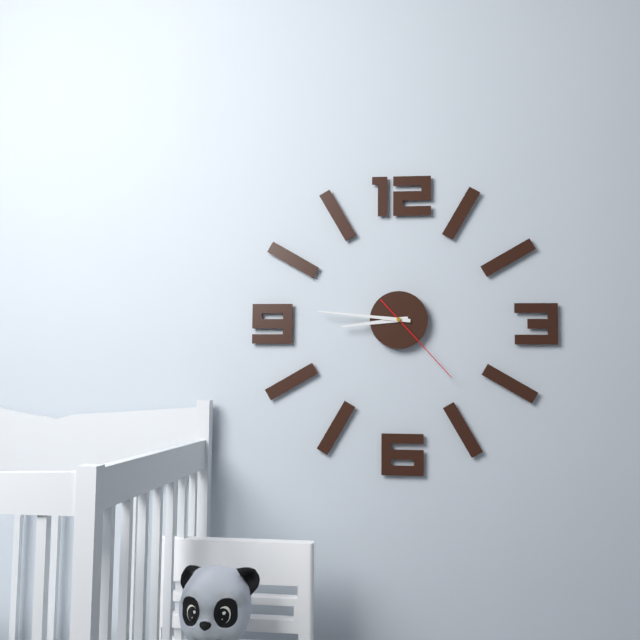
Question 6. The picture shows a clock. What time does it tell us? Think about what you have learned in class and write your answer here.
8:46:23
